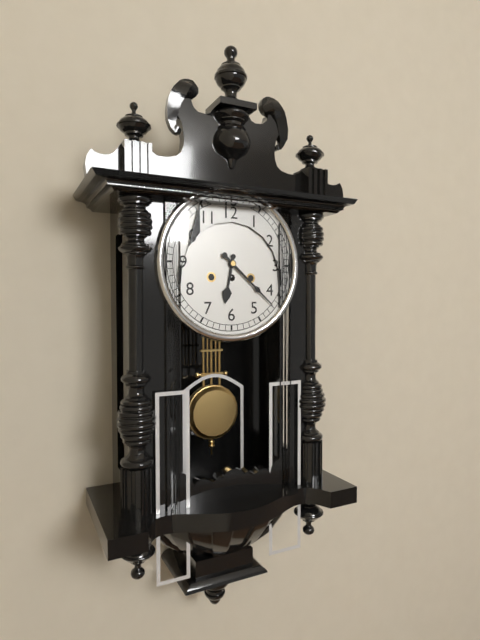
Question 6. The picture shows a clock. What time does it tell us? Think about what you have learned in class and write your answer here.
6:22
